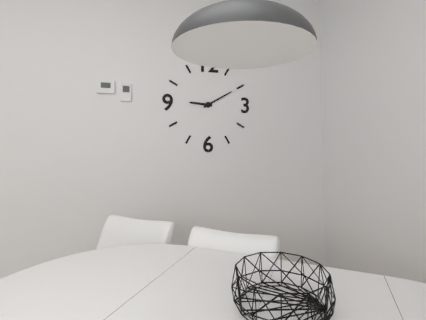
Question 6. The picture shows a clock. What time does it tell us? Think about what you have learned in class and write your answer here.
9:10
